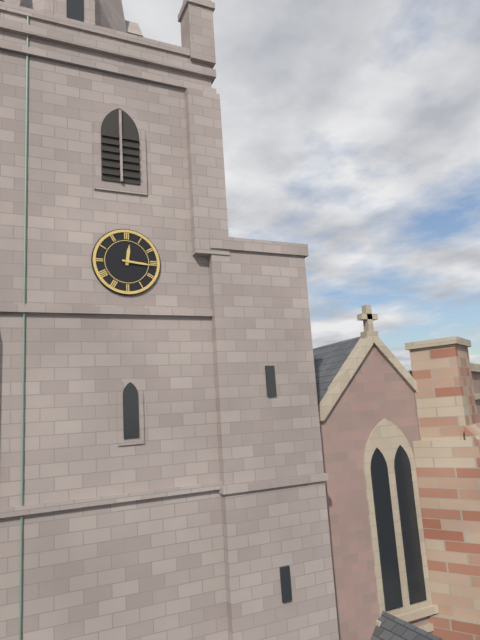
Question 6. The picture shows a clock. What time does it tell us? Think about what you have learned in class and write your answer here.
12:16
